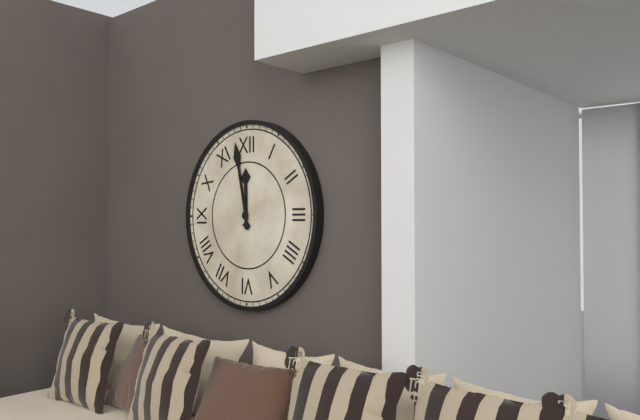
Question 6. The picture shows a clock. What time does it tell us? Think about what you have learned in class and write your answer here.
11:58
